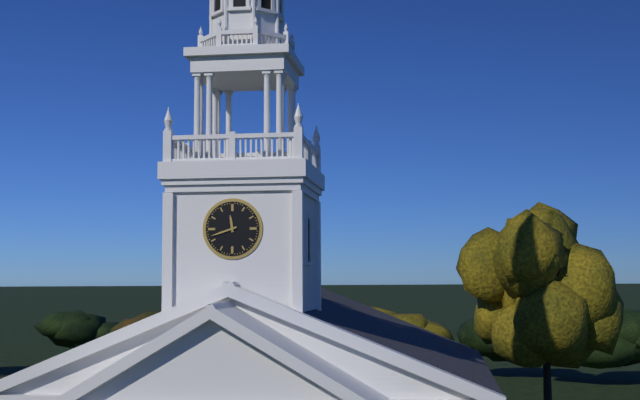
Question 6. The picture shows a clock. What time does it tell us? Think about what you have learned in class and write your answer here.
11:42
